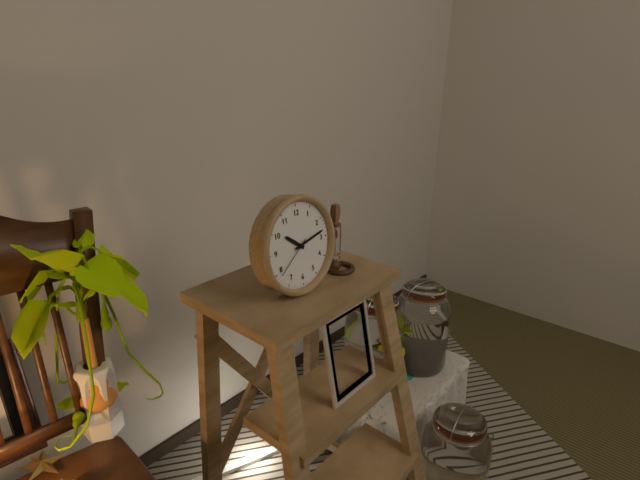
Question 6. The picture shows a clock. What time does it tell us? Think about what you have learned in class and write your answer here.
10:13
